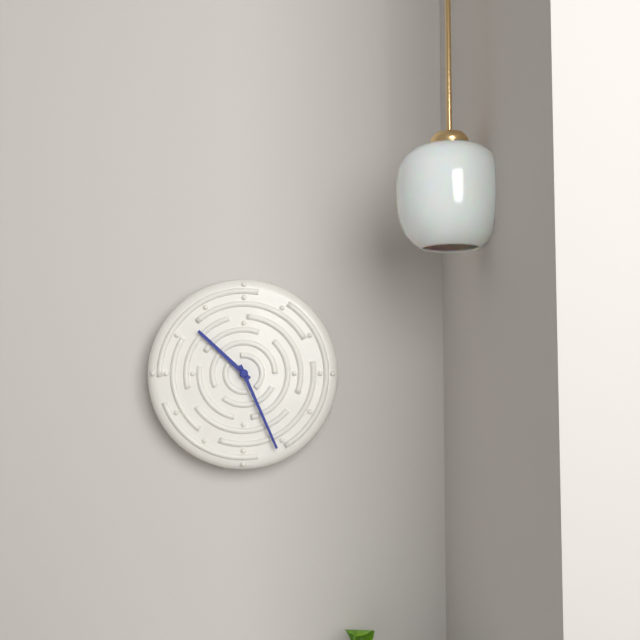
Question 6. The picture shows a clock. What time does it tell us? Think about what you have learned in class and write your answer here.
10:26
